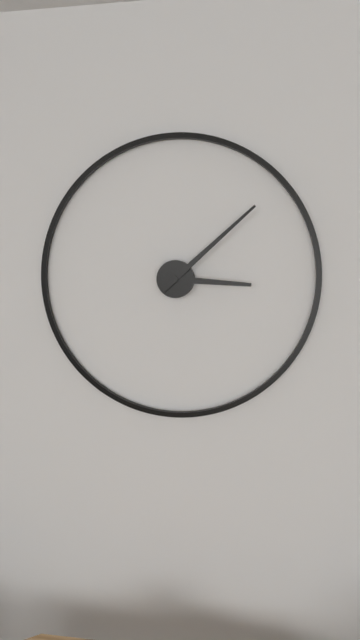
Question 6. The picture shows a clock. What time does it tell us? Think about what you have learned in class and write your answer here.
3:08
